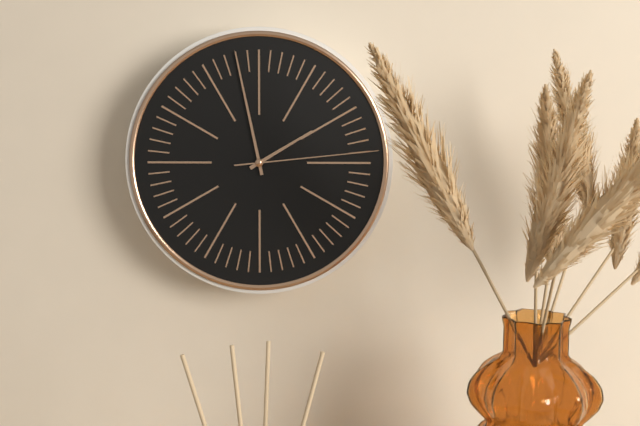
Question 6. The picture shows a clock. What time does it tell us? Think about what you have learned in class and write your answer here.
1:58:14
